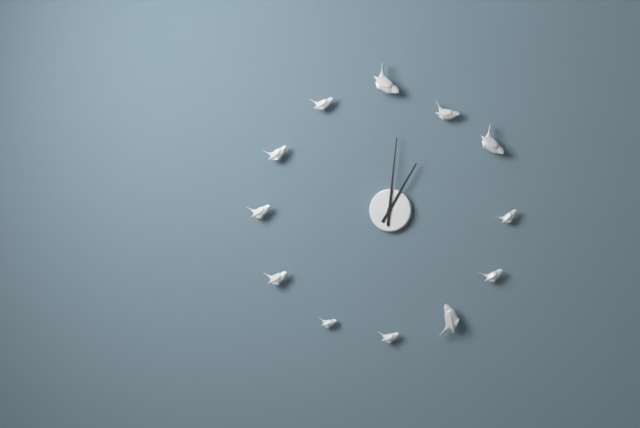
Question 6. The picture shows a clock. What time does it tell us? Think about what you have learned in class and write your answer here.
1:01
